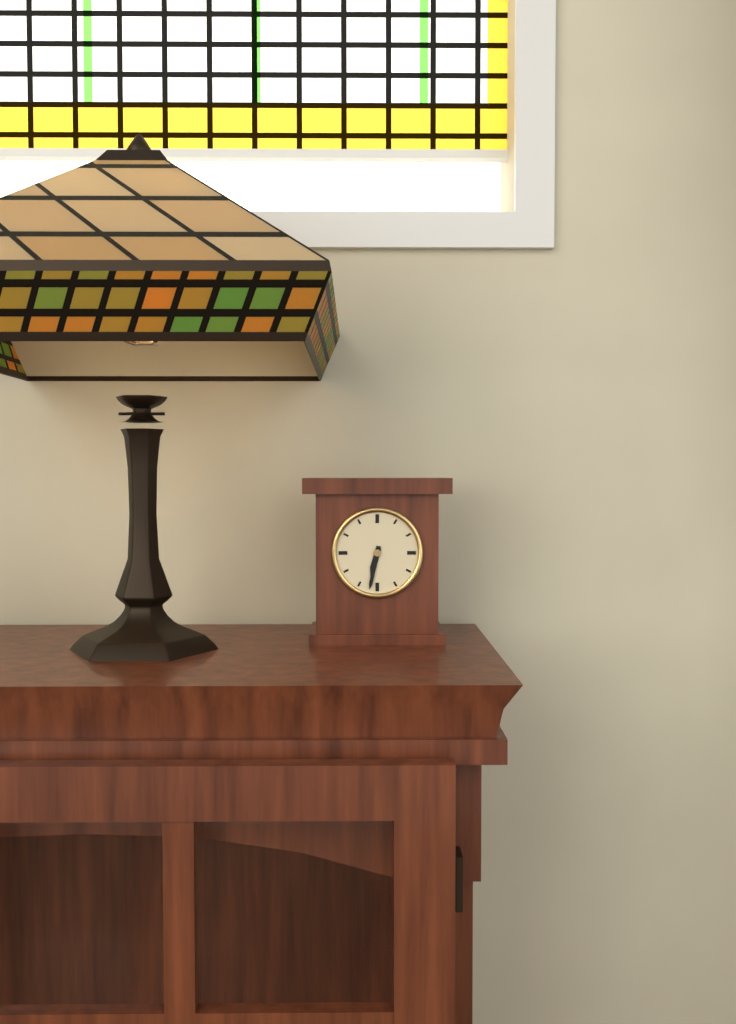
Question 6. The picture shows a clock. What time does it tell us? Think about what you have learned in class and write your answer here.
6:32
